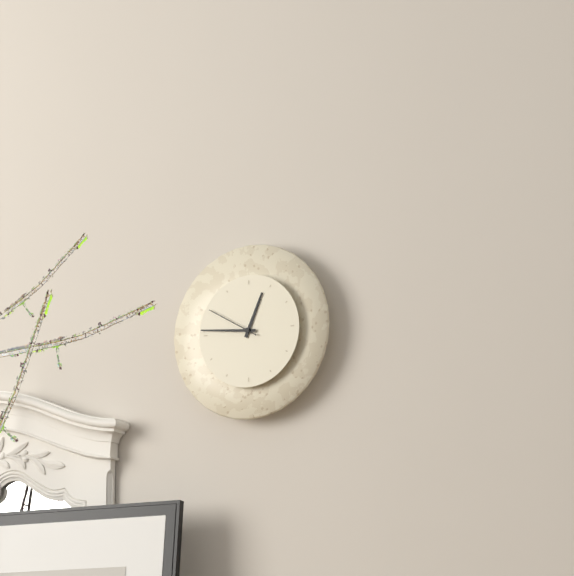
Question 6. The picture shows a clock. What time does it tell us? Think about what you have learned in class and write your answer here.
12:46:50
